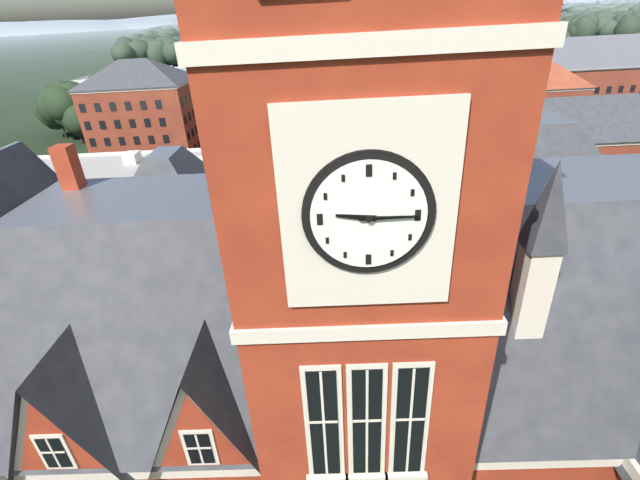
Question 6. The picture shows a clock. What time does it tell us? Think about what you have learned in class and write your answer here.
9:15
